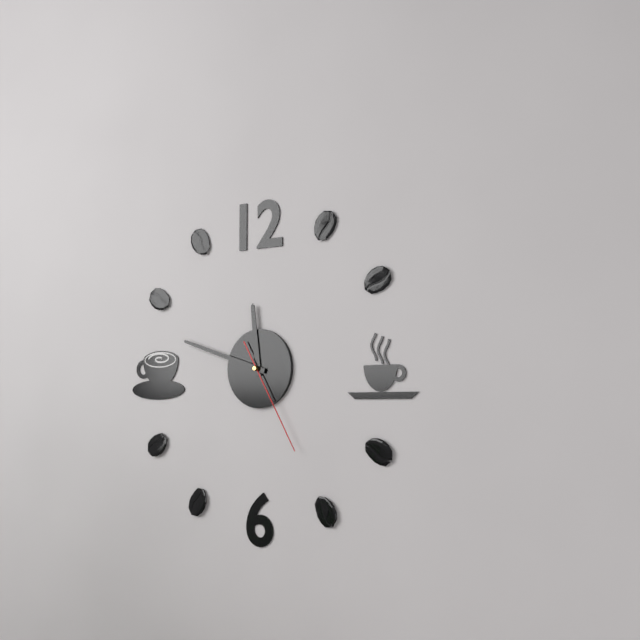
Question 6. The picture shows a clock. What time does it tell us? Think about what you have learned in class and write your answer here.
11:48:25
